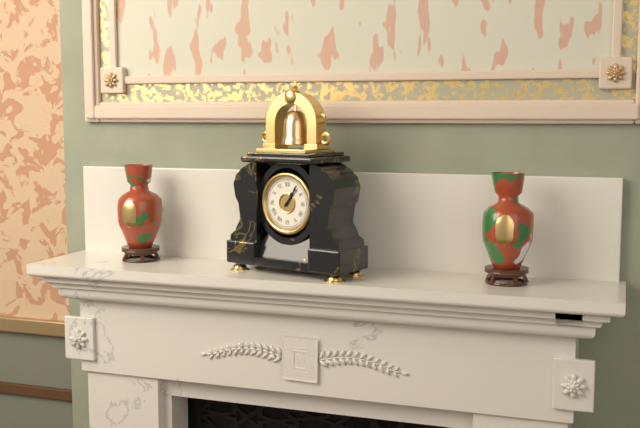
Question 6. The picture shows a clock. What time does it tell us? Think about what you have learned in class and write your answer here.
1:06
